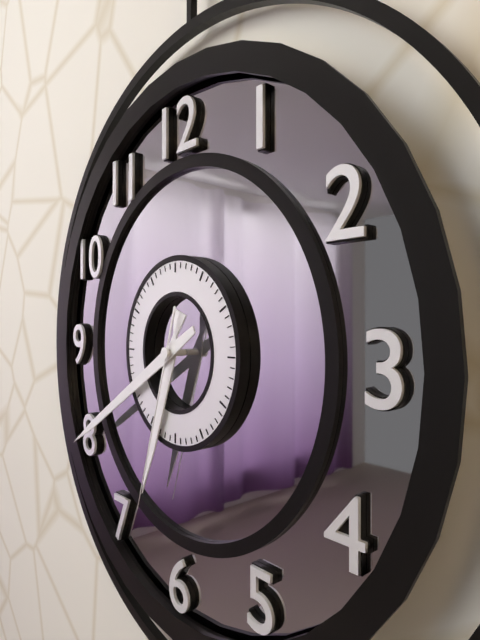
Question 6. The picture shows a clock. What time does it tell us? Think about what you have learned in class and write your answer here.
6:40:33
